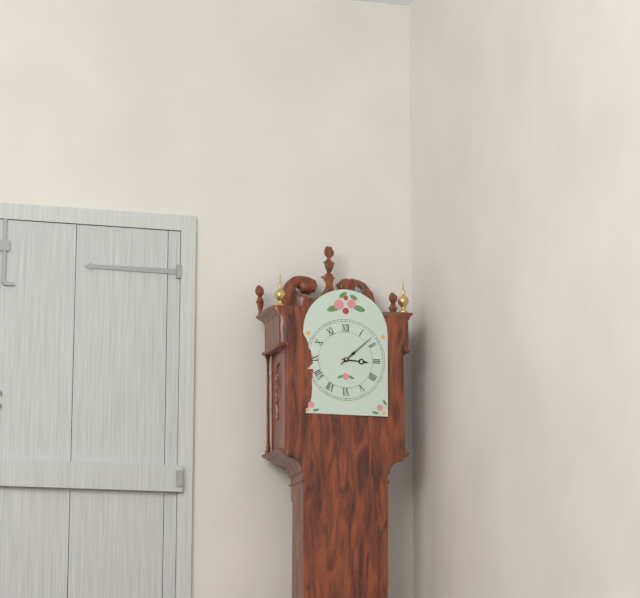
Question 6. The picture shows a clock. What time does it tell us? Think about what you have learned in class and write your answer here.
3:08
